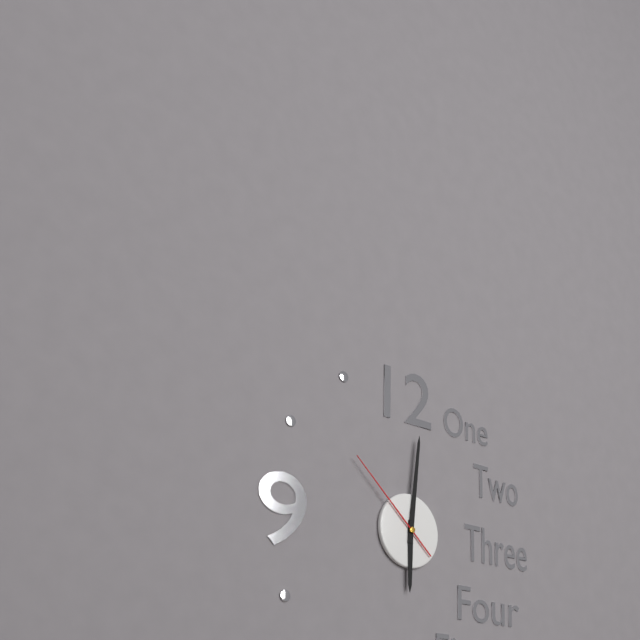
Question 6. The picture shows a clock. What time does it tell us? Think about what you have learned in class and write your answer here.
6:01:52
